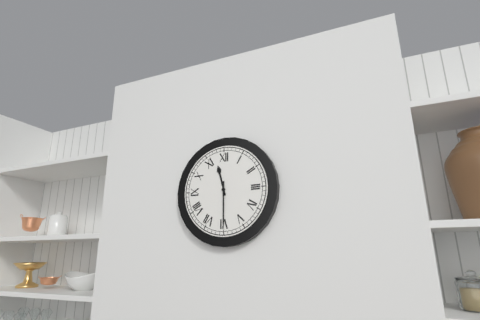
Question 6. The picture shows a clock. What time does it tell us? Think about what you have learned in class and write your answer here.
11:30
